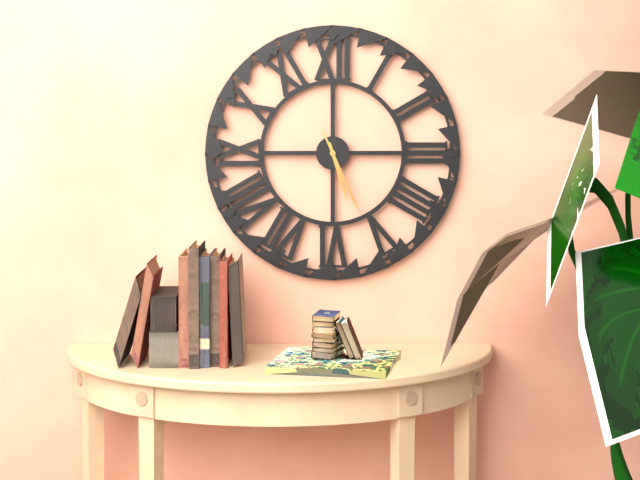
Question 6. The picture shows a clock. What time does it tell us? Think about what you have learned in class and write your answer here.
5:26
